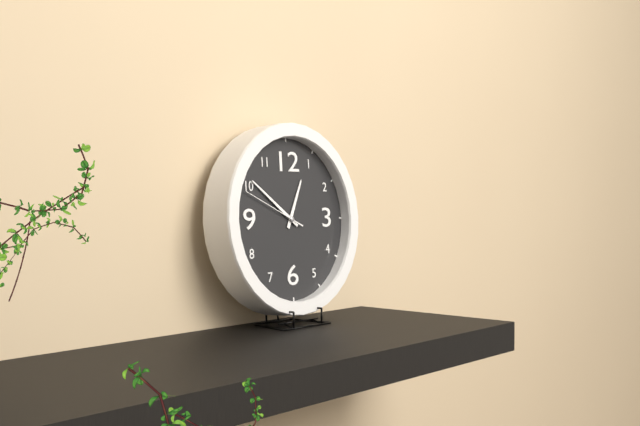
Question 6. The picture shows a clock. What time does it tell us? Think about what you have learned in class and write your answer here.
12:51:49
